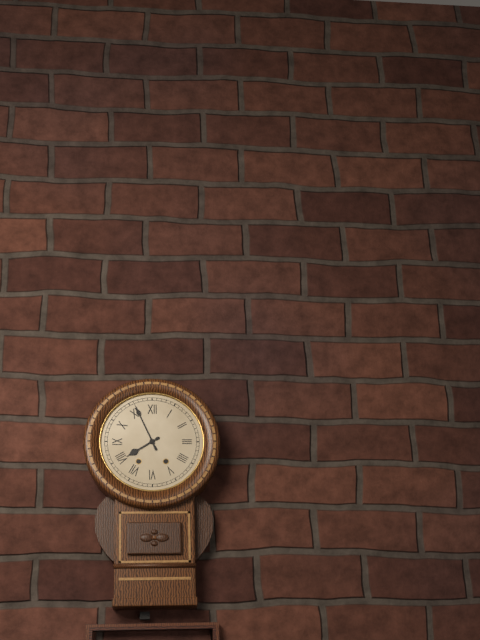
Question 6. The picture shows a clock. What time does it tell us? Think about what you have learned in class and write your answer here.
7:56
